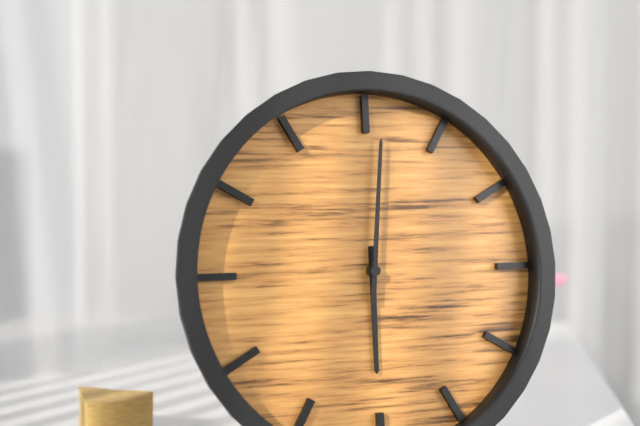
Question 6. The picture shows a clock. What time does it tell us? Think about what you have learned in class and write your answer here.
6:01
